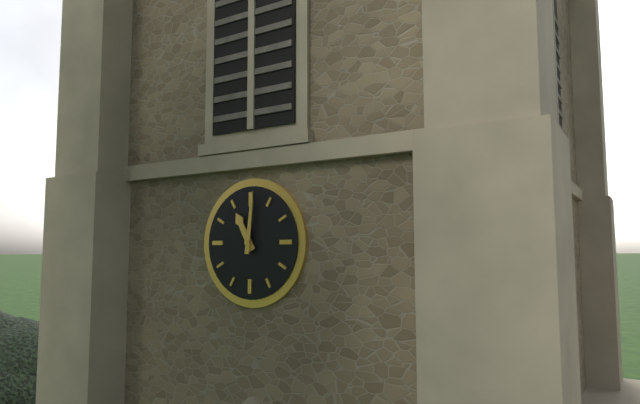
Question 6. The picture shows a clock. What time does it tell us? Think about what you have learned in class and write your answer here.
11:01
